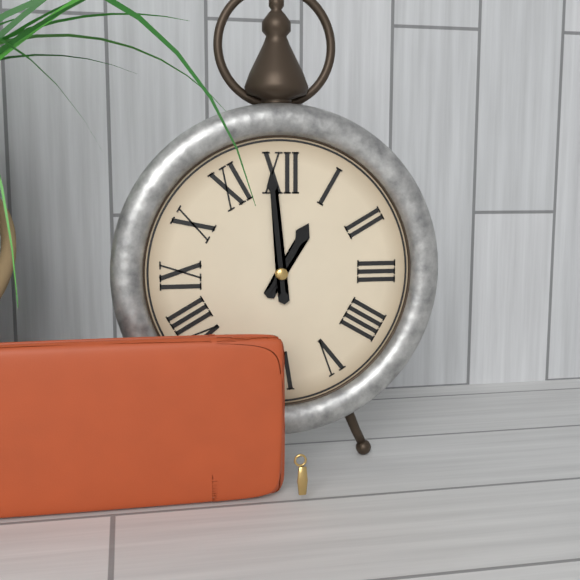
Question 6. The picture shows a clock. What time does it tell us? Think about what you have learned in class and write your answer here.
12:59
